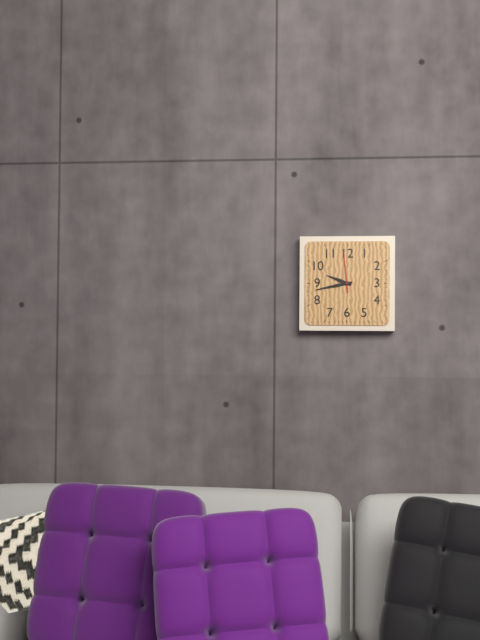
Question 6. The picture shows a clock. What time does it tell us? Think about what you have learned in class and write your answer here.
9:43
